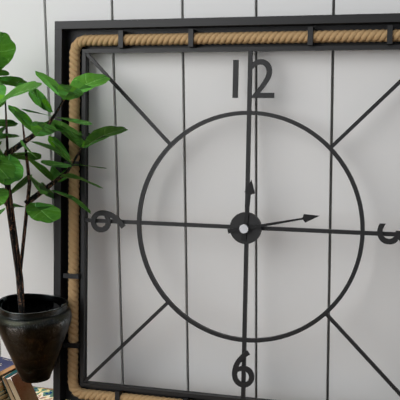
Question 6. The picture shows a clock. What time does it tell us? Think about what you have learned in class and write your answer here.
12:13
